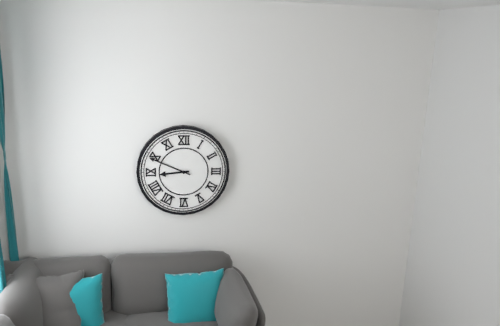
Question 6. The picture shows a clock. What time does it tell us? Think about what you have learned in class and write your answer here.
8:49
